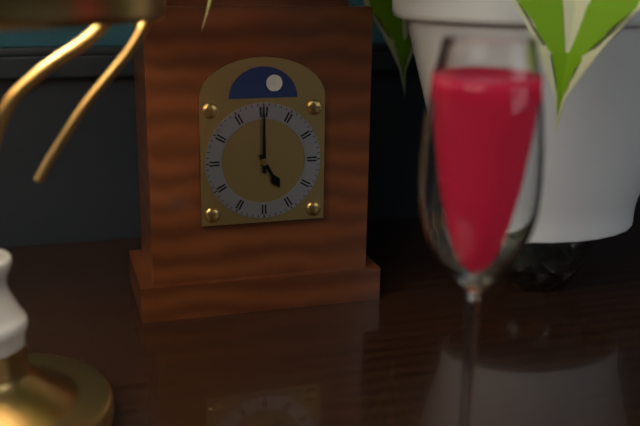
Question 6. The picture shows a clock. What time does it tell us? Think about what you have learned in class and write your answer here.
5:00
